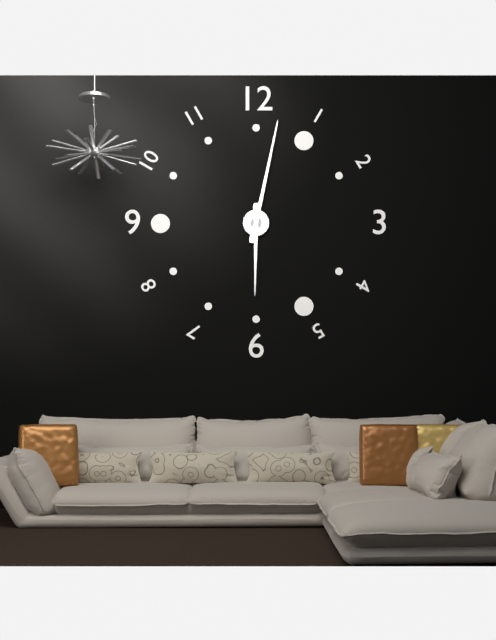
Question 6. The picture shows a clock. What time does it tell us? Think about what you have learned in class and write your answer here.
6:02
